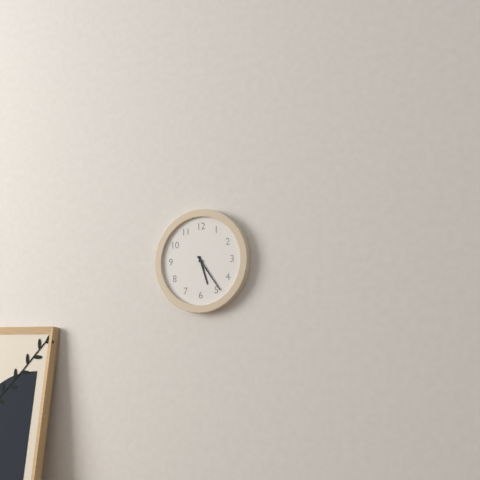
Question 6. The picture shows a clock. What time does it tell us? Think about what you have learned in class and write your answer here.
5:24
